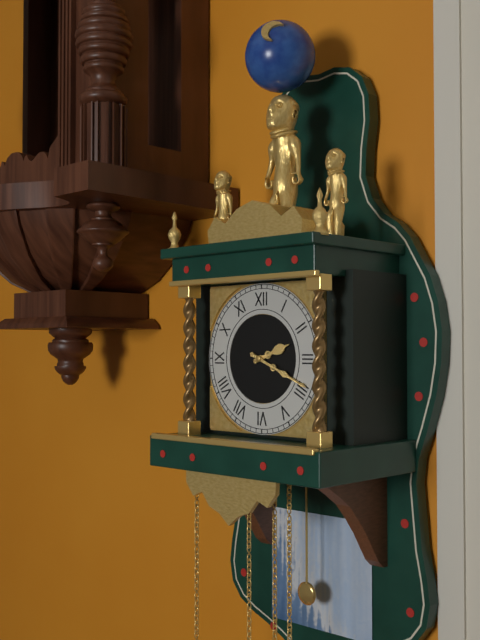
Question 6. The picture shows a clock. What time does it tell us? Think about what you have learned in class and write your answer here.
2:19
